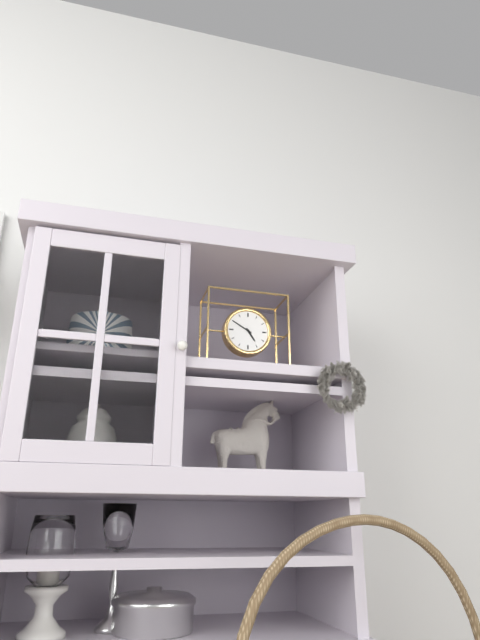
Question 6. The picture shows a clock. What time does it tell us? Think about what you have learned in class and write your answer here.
4:50
